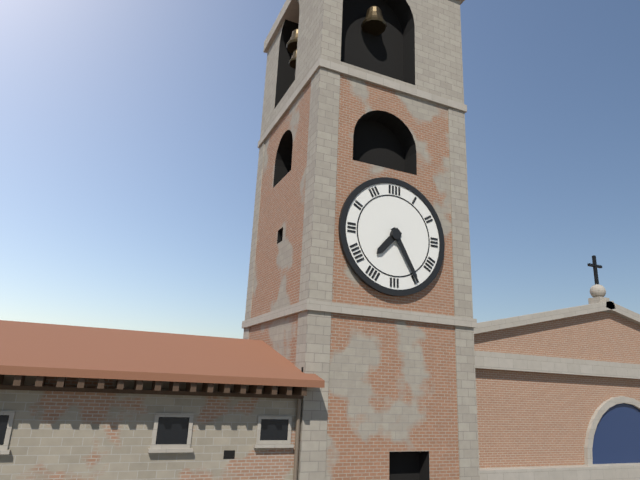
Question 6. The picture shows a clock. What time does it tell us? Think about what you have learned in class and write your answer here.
7:25
